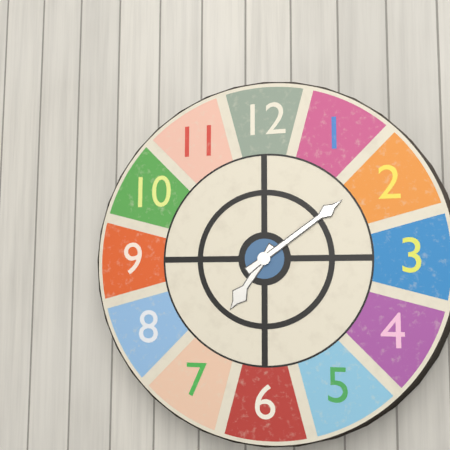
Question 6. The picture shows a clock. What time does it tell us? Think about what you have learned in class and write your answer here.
7:09
